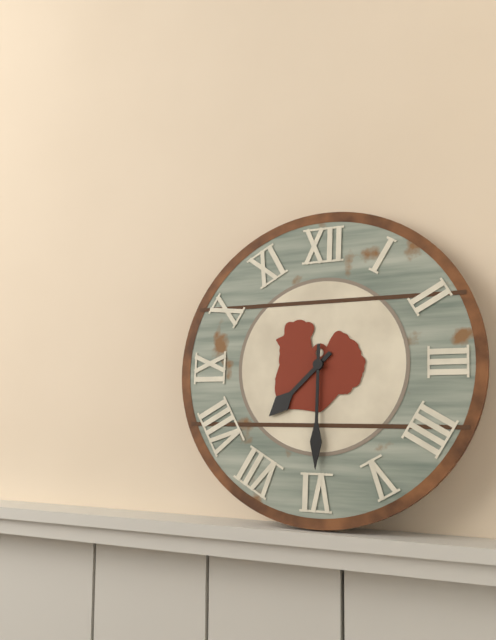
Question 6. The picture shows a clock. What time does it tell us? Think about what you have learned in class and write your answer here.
7:30
